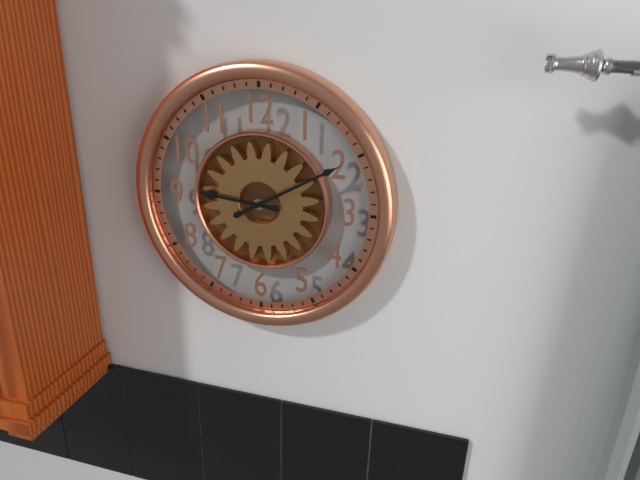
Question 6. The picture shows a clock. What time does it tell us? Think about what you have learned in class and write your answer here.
9:10
